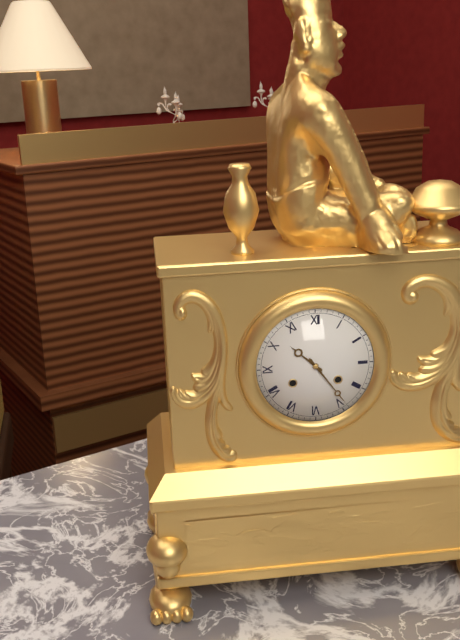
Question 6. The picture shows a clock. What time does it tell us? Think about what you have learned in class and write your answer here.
10:24
